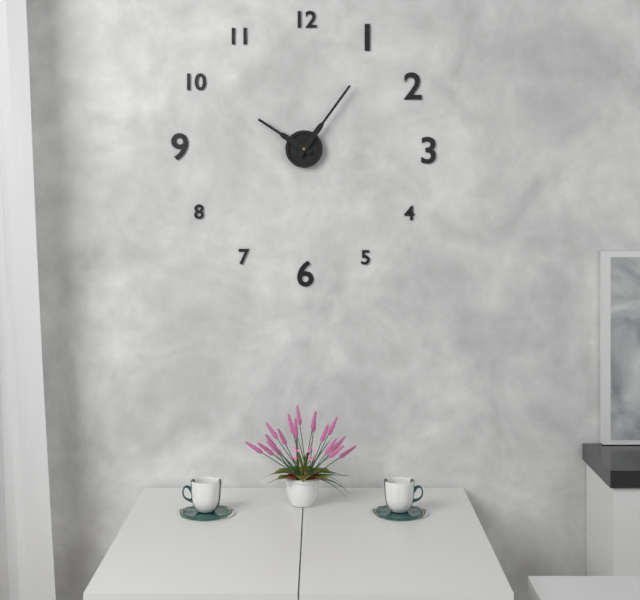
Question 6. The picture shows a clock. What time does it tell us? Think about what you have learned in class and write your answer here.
10:06
